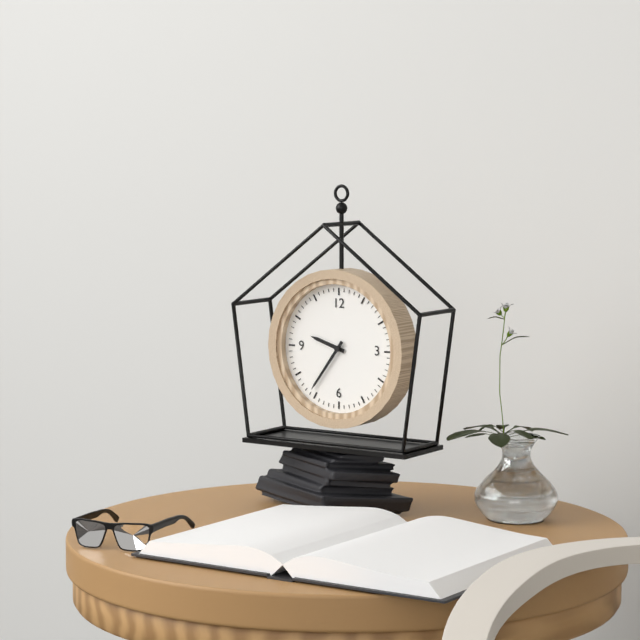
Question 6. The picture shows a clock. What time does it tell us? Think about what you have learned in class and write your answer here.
9:36
